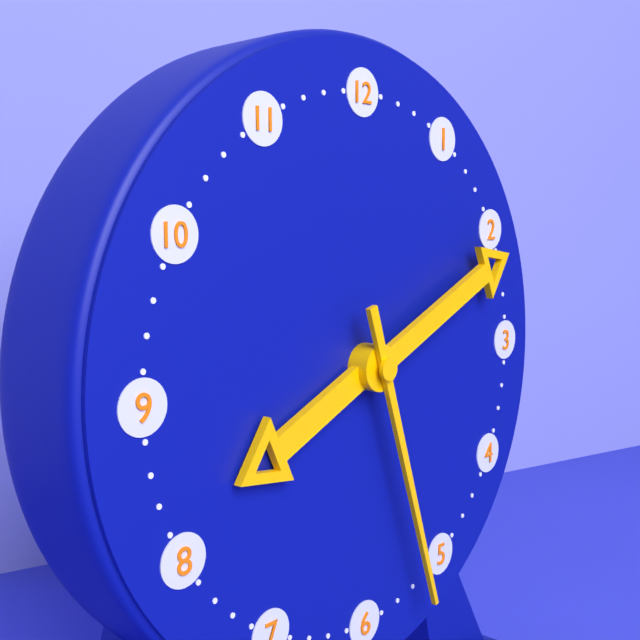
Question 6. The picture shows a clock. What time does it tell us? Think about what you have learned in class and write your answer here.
8:11:27
